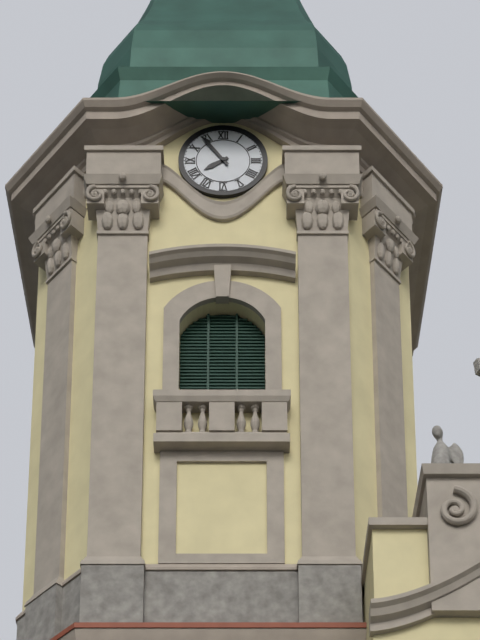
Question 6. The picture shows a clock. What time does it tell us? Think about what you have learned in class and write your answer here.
7:54
